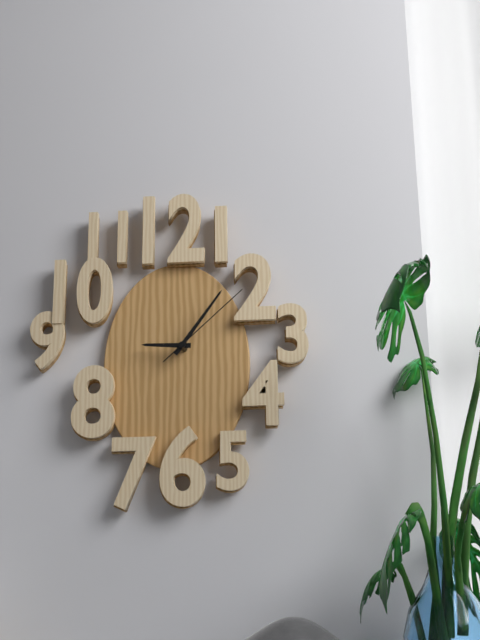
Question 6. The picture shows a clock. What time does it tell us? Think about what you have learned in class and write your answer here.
9:06:08
